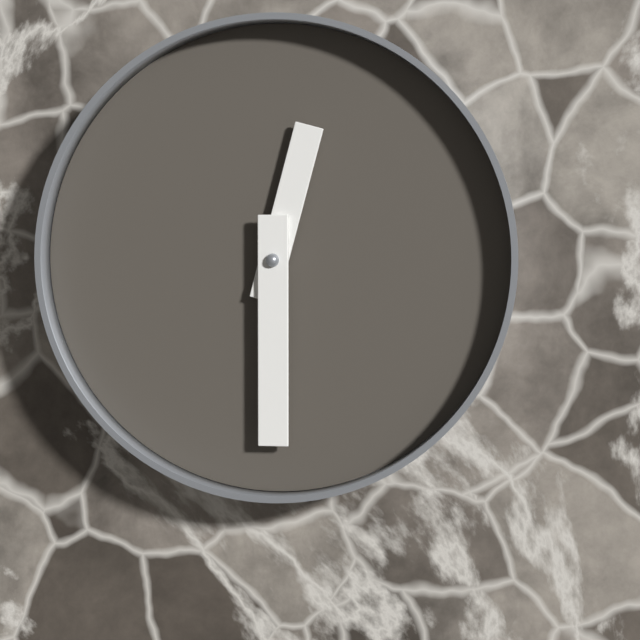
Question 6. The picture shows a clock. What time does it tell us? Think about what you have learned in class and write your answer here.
12:30
